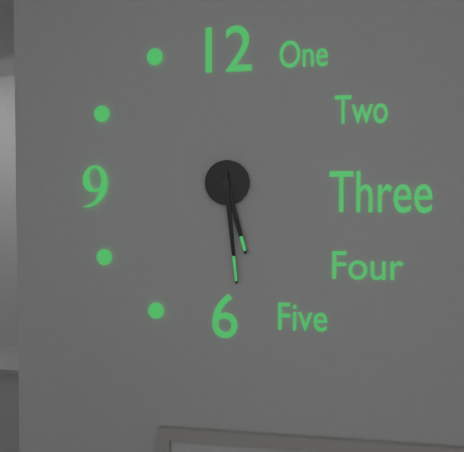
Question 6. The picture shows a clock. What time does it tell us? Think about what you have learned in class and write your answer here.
5:29
